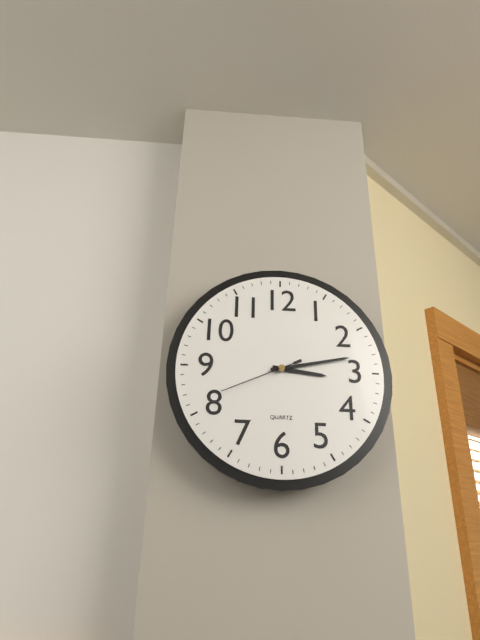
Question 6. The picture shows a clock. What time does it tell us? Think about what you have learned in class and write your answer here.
3:13:41
